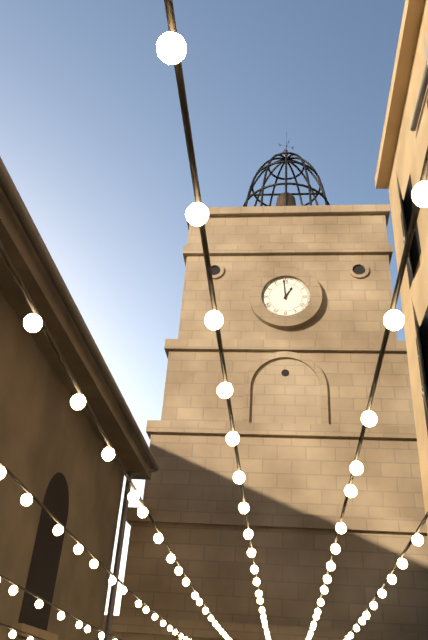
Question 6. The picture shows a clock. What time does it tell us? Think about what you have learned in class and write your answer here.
12:59
